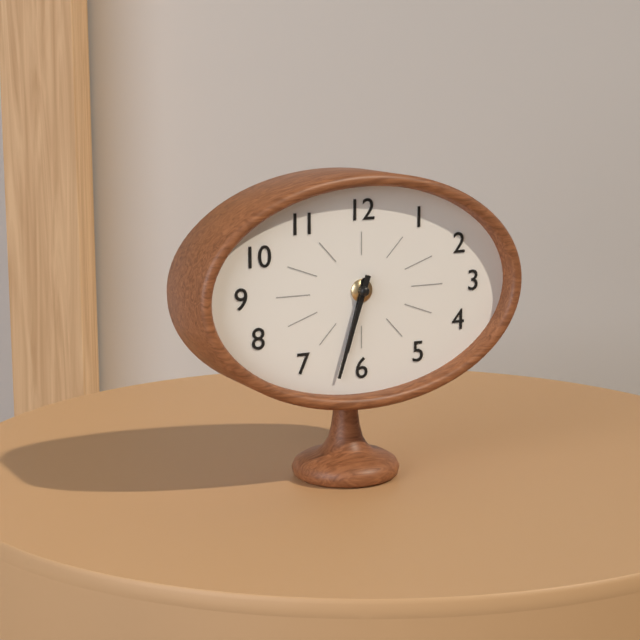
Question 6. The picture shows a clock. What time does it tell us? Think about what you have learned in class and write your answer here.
6:33
